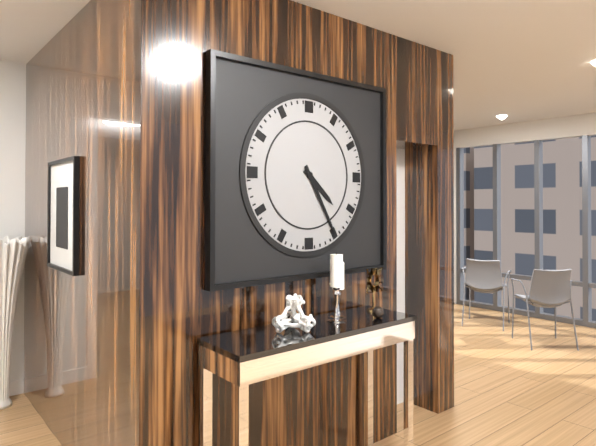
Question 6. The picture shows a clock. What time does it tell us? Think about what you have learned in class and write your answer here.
4:25
